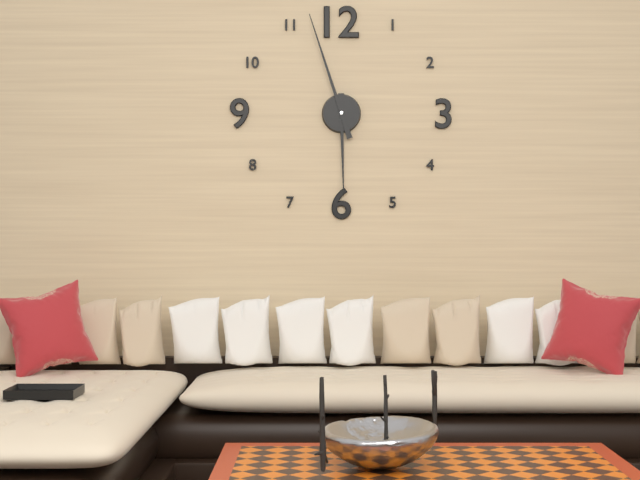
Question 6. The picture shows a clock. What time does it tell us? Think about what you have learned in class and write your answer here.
5:57
